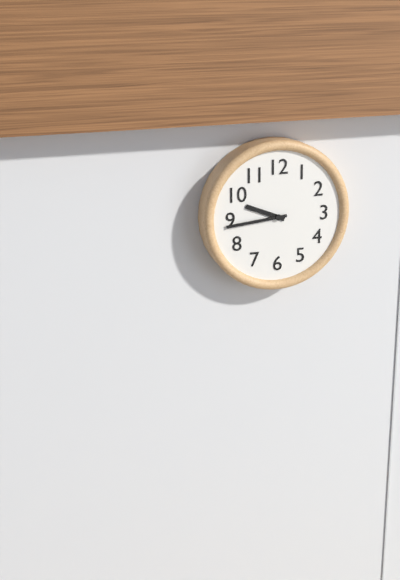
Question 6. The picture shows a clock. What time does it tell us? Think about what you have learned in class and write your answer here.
9:44
